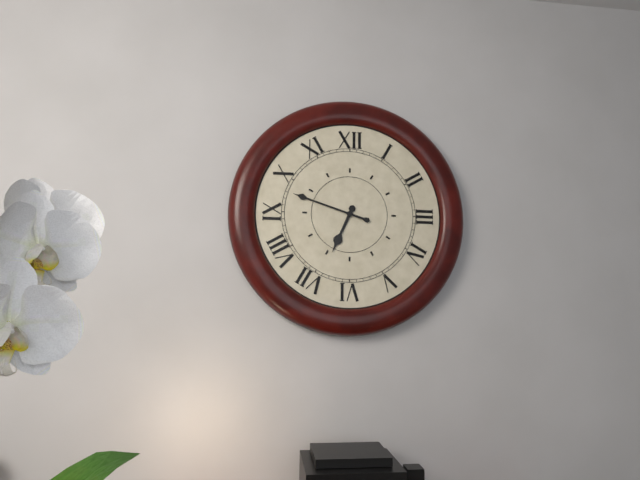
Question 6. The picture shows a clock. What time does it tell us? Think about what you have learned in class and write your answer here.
6:48
